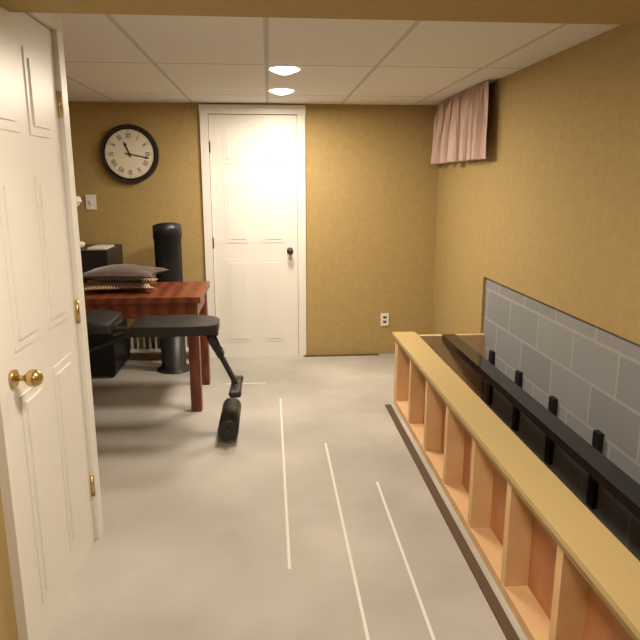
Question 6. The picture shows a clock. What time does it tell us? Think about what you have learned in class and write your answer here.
11:17
